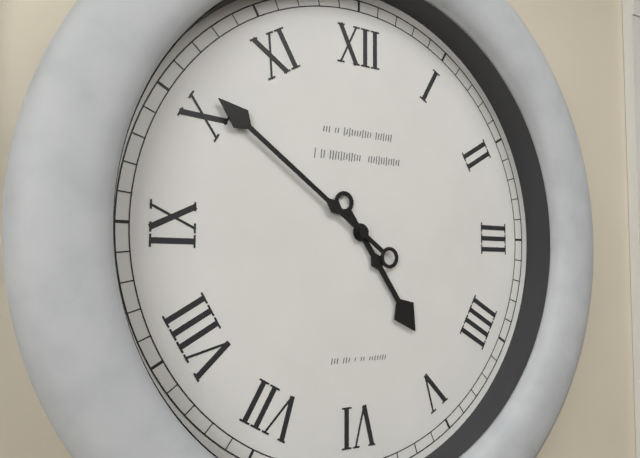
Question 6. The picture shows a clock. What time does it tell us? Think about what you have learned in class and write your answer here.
4:51
